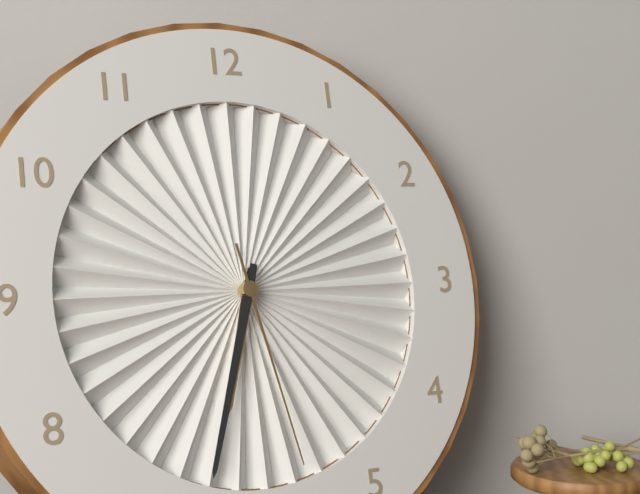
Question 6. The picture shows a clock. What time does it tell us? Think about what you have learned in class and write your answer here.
6:33:28
